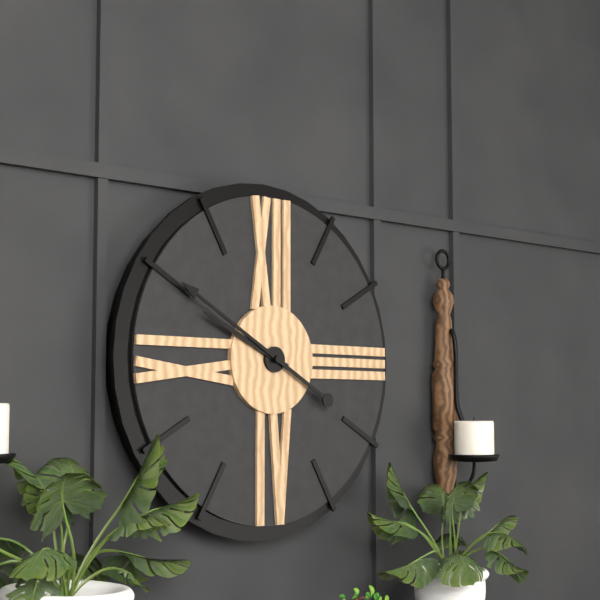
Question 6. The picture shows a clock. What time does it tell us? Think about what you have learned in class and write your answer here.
9:50
